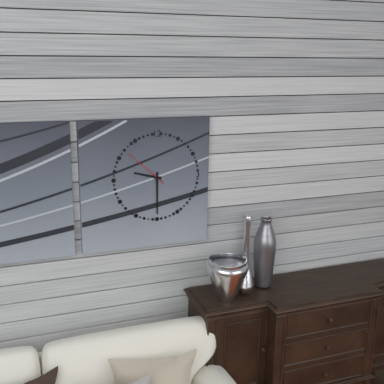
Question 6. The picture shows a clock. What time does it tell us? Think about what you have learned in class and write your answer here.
9:30
